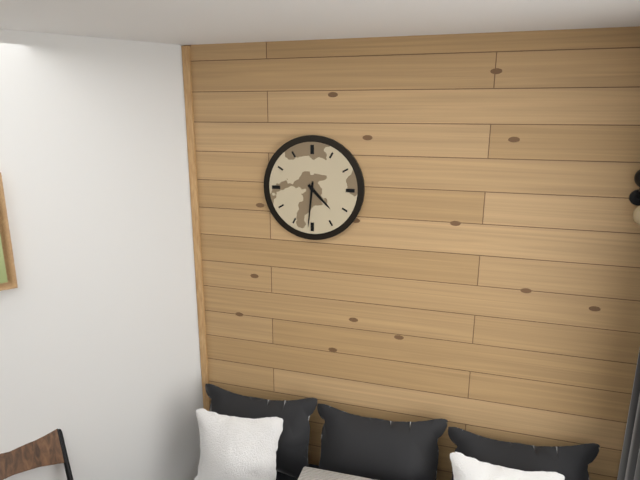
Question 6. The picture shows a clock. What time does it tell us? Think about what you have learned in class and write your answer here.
4:31
